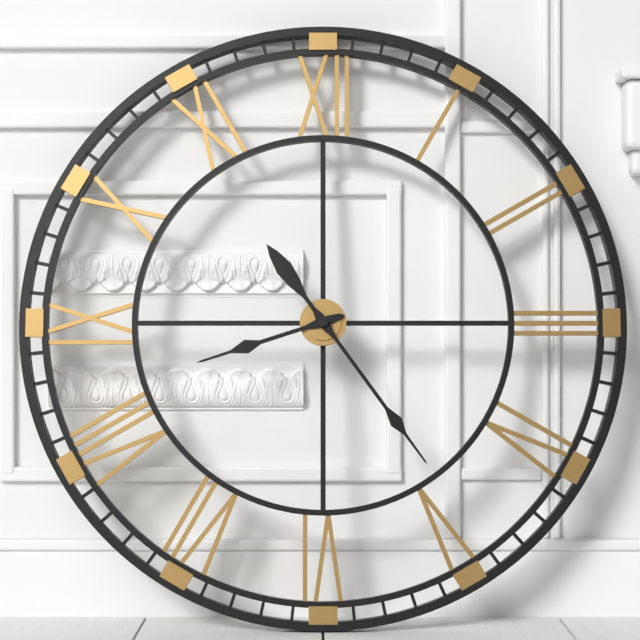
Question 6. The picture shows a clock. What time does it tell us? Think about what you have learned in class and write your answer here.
8:24
